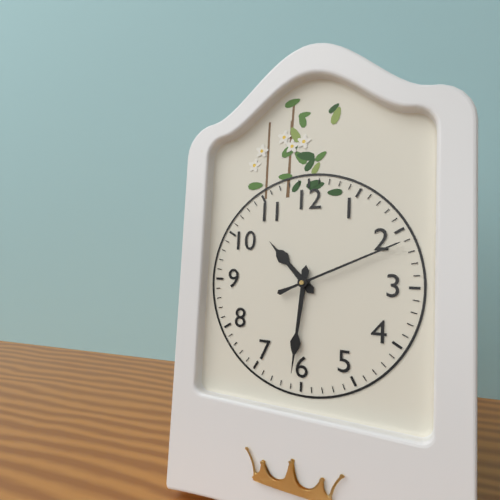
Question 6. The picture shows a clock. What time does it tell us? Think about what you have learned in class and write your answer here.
10:31:11
